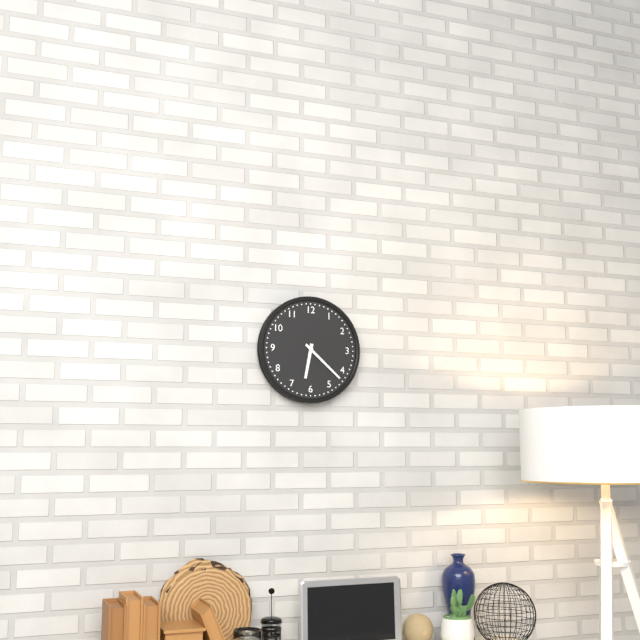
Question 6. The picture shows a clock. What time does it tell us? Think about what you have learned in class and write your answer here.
6:22
